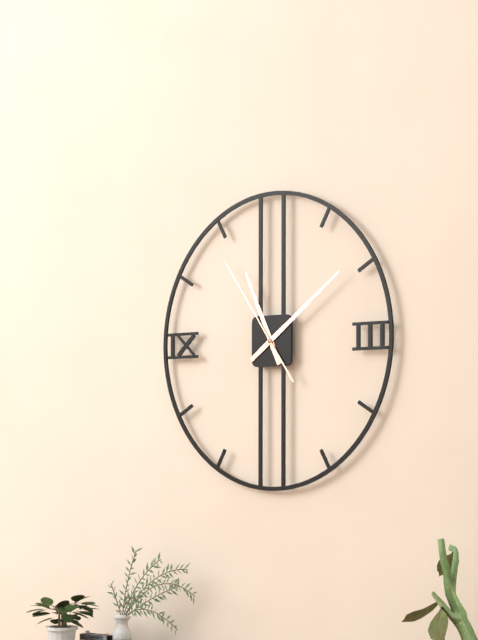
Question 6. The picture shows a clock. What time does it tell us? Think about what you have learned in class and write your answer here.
11:09:54
